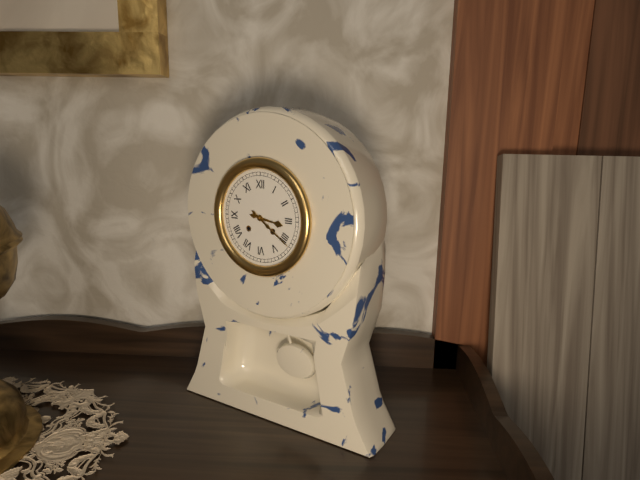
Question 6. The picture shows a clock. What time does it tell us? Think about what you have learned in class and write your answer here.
3:21
